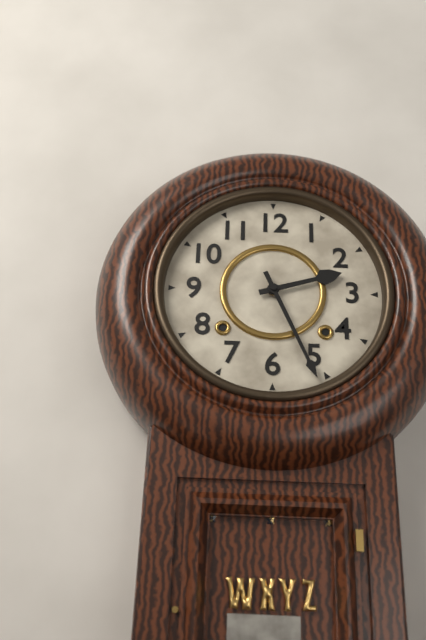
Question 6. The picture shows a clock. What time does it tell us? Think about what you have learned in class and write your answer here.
2:26
